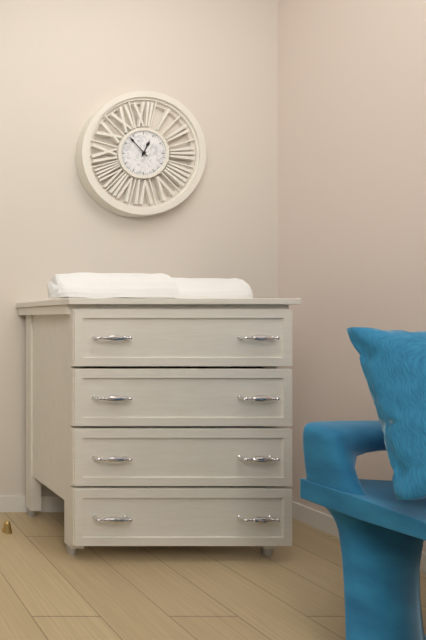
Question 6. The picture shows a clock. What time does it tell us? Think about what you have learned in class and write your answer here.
12:53
